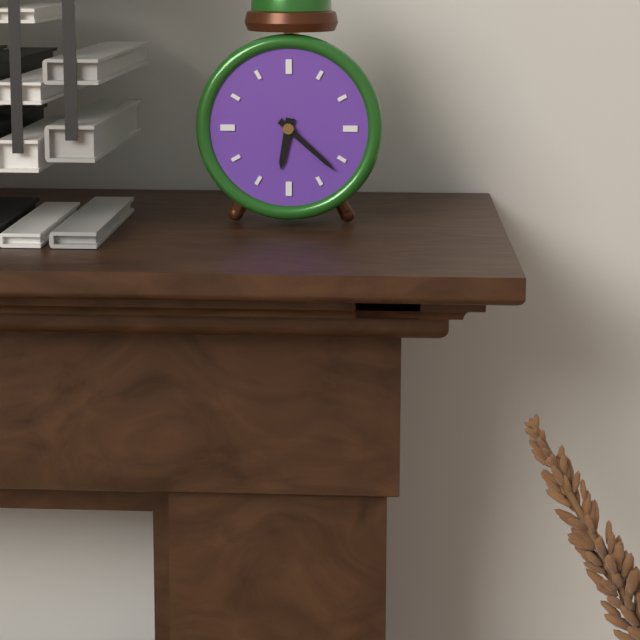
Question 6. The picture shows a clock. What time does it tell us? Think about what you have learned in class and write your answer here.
6:22
